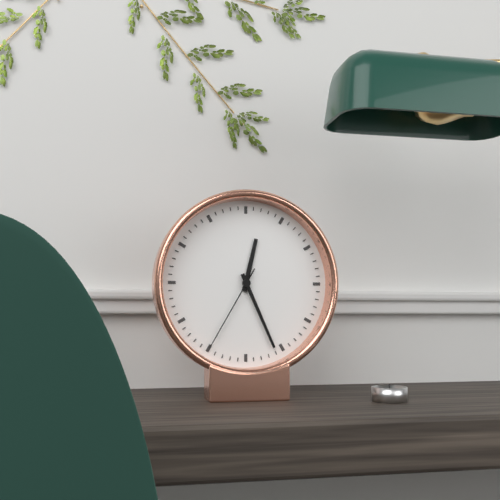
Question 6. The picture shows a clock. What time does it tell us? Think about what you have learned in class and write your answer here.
12:26:35
